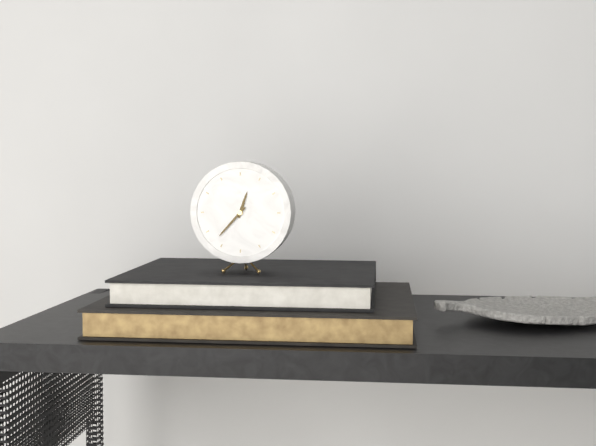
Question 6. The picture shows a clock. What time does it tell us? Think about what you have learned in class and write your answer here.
12:37
